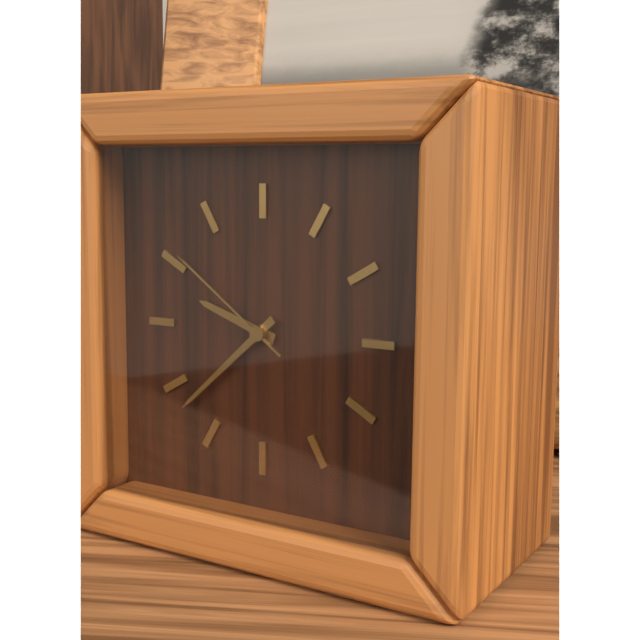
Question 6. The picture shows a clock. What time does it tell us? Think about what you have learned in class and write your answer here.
9:38:51
